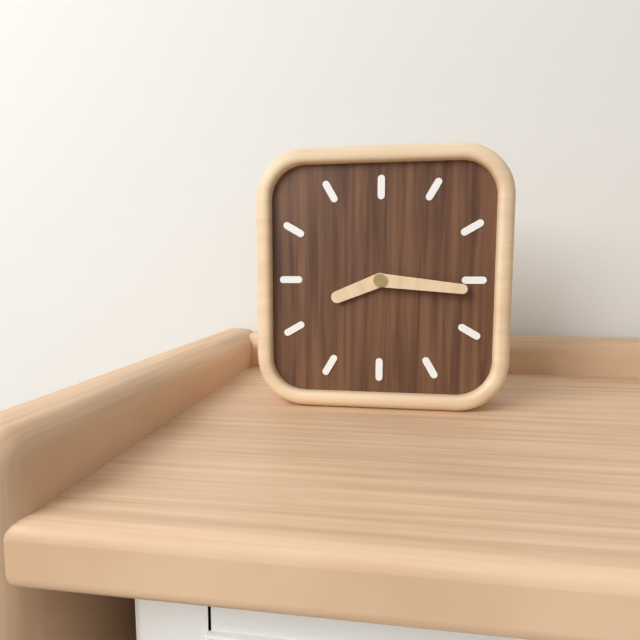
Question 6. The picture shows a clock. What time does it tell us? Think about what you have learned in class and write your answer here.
8:16
